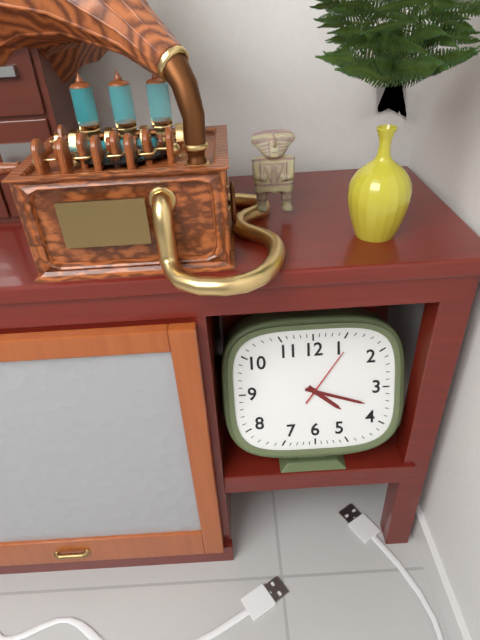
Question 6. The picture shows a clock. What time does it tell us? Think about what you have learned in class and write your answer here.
4:18:06
